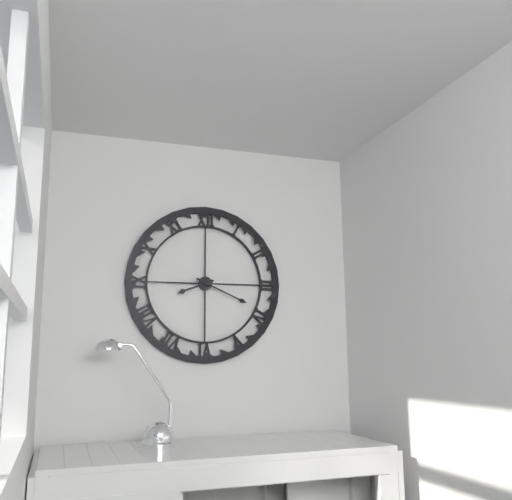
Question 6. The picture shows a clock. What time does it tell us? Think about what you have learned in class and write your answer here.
8:19
